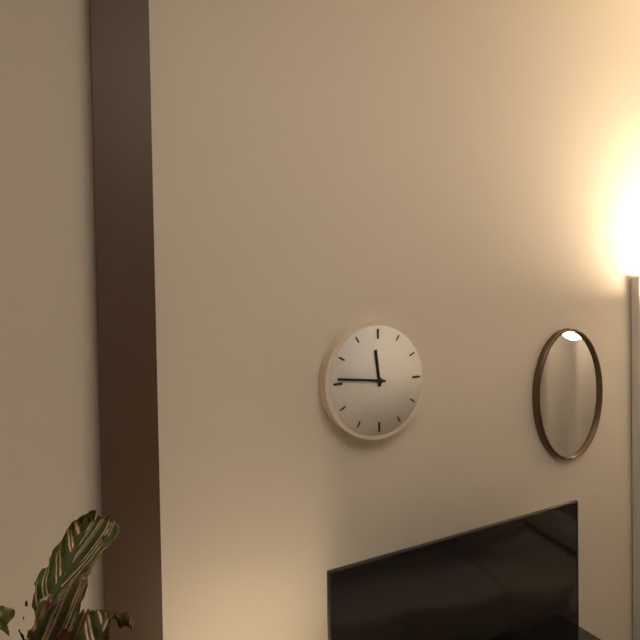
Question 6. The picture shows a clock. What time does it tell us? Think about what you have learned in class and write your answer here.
11:46
